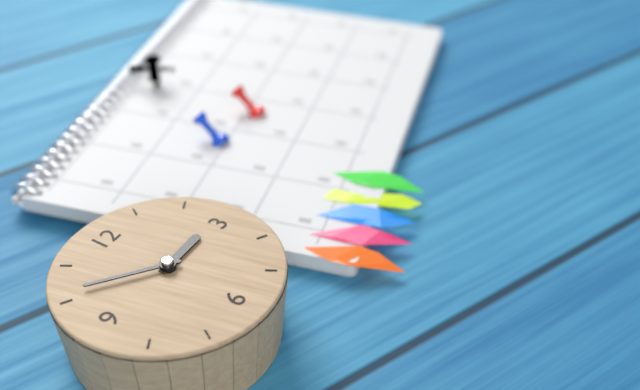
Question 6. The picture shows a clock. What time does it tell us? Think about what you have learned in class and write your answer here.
2:51
